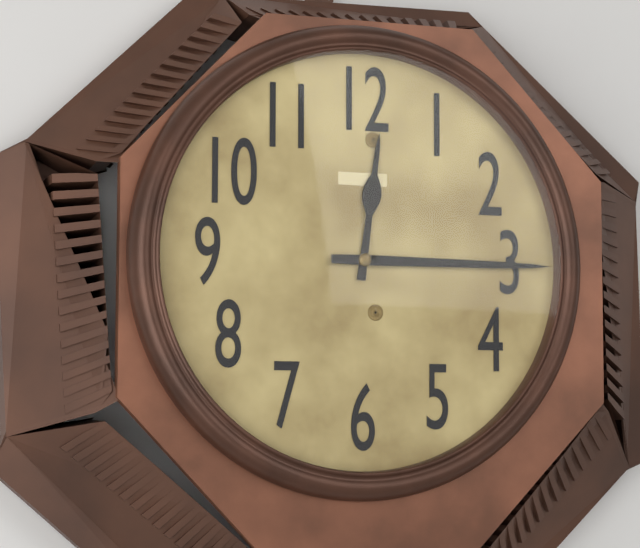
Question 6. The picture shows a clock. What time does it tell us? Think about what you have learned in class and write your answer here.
12:15
